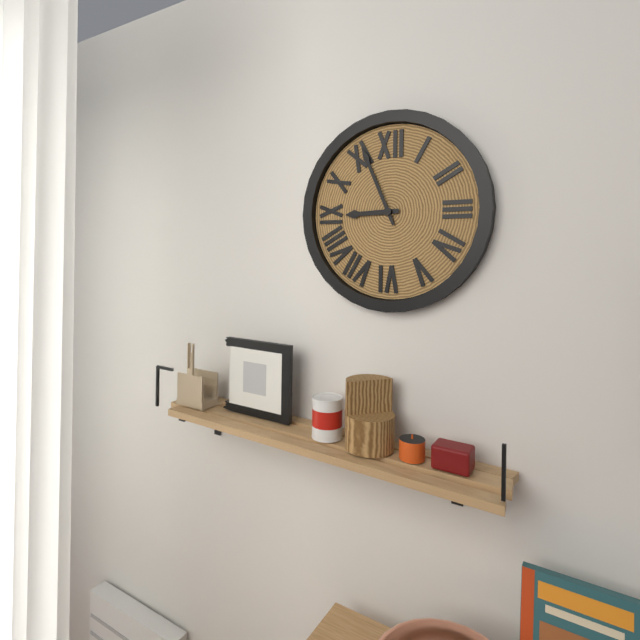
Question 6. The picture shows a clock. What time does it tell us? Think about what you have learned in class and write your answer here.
8:56
